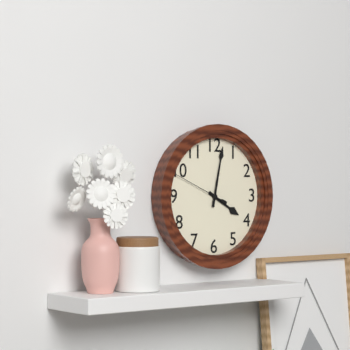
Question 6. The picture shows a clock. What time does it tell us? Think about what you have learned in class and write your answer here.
4:02:49
